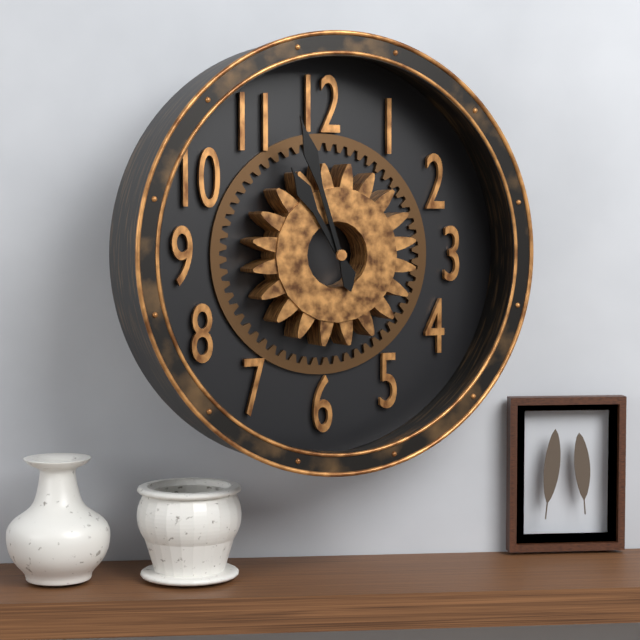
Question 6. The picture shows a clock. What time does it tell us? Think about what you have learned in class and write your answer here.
10:57
